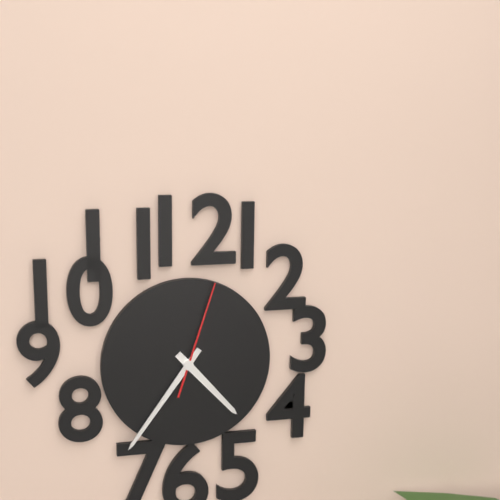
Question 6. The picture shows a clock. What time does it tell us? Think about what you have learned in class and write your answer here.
4:36:03
